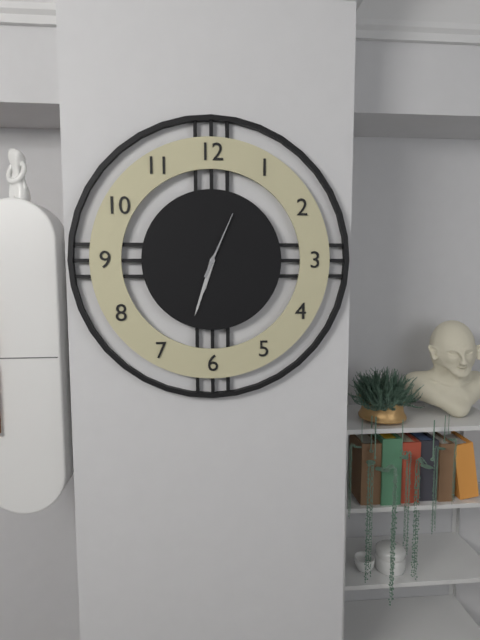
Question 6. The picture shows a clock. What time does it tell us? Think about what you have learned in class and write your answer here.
6:33:04
